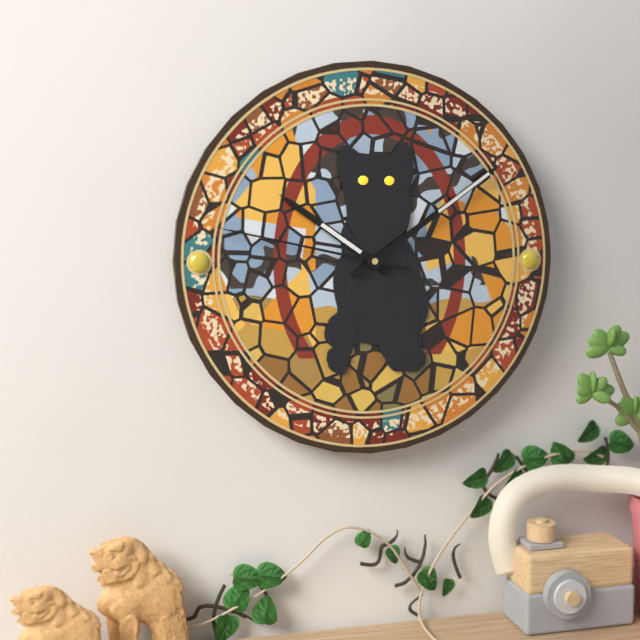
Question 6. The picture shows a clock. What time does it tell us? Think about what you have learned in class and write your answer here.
10:09:47
